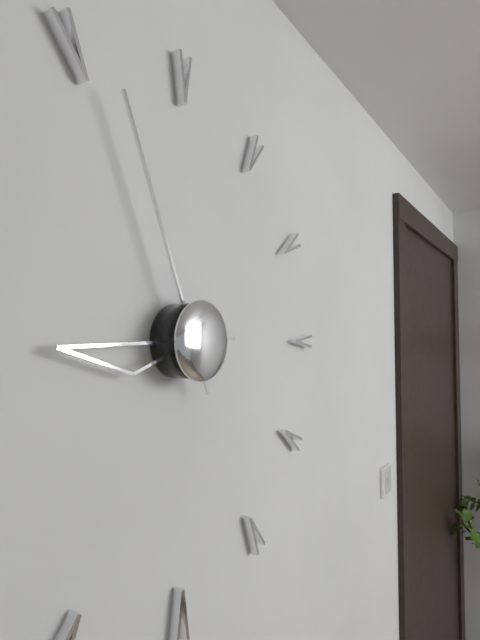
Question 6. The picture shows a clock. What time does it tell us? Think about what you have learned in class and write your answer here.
8:56
